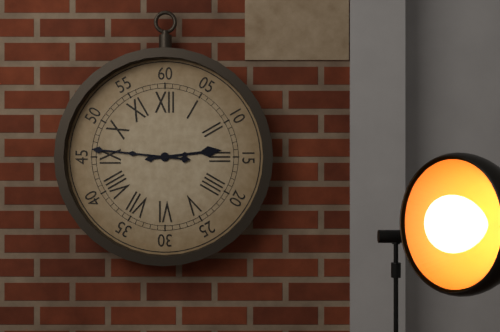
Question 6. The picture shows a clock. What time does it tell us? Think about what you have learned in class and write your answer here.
2:46
